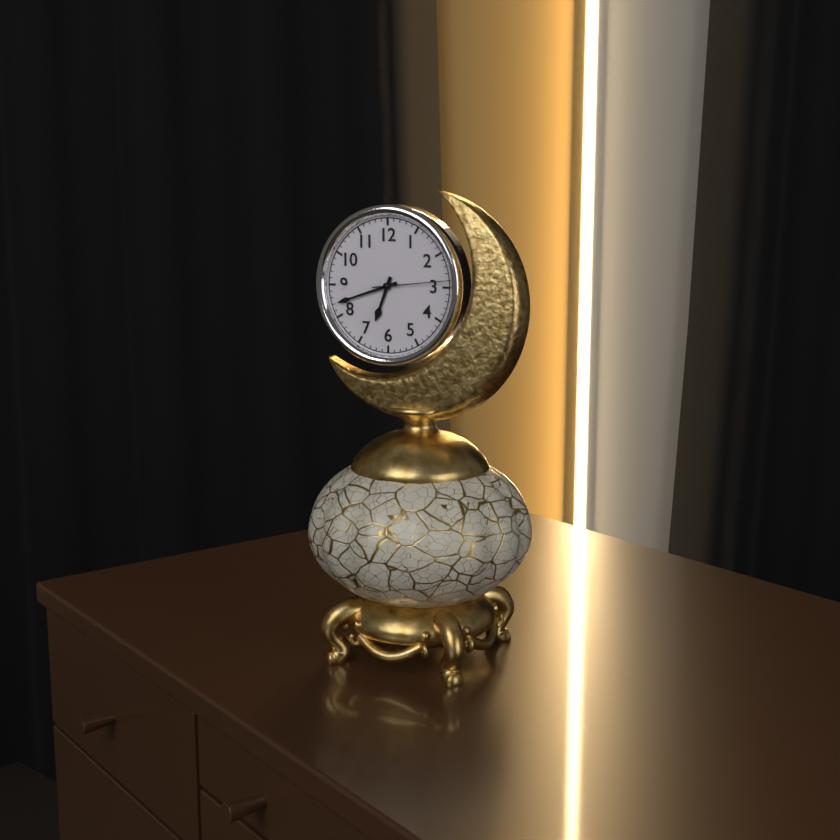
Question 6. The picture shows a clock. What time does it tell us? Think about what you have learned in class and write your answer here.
6:42:14
